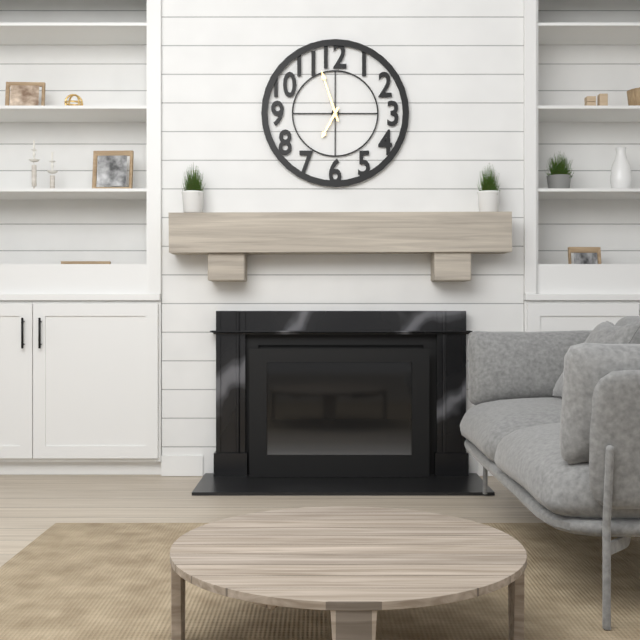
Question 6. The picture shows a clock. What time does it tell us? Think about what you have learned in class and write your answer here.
6:57
